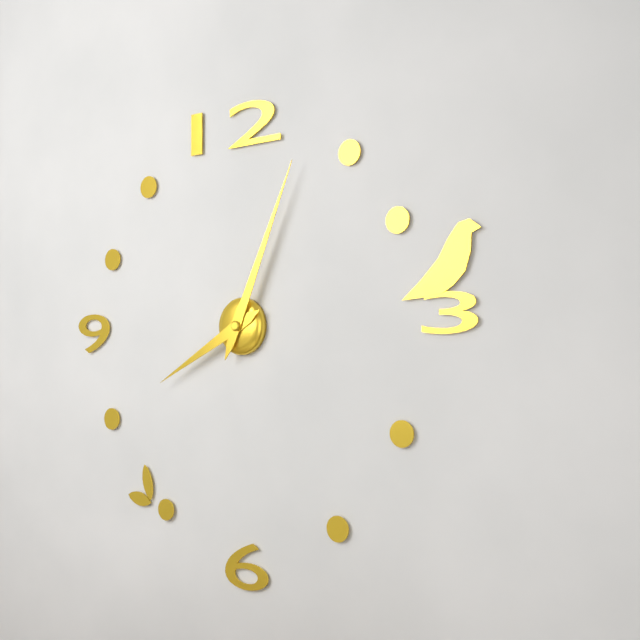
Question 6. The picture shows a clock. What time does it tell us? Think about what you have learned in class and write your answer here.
8:04
